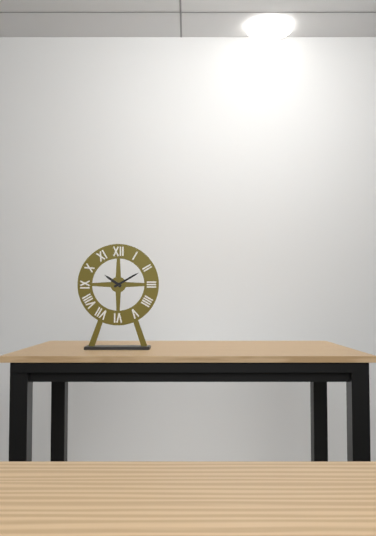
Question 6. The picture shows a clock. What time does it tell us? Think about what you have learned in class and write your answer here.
10:10
